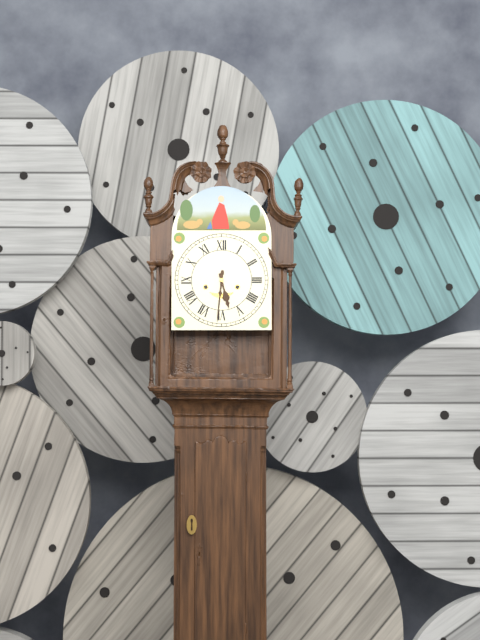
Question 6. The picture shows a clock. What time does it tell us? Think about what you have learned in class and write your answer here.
5:31
